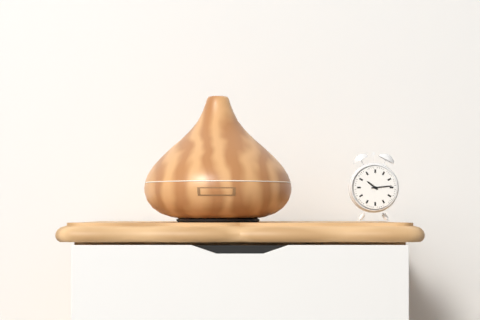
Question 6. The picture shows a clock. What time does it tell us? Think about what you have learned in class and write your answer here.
10:14
